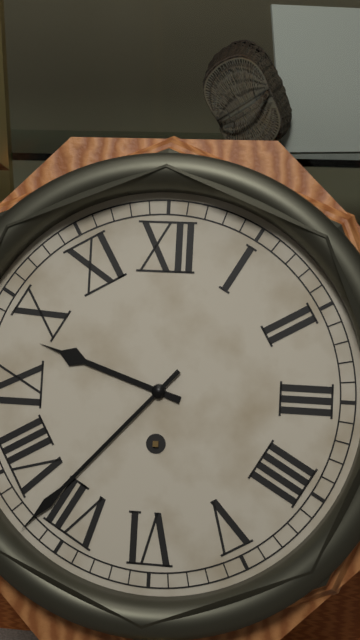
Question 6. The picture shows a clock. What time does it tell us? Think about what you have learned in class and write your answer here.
9:37
